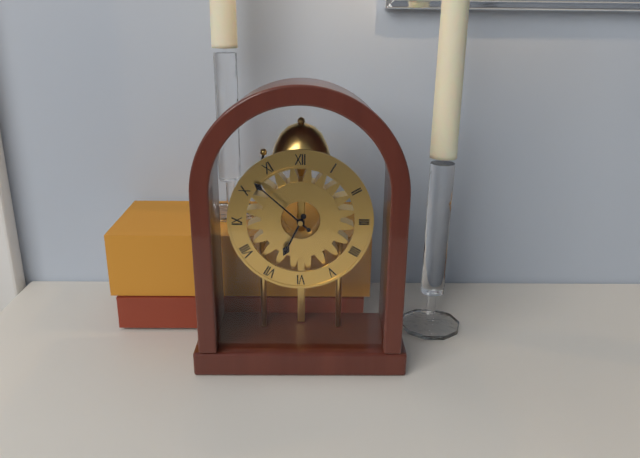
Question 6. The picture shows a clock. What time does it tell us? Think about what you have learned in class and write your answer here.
6:52
